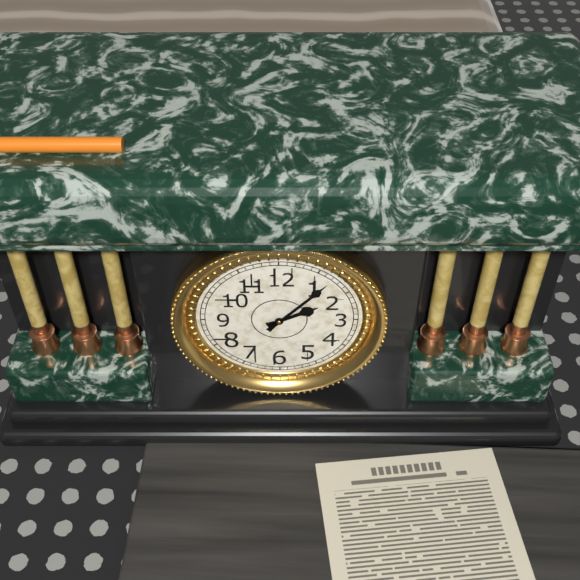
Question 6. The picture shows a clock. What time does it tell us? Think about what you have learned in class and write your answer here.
2:07
